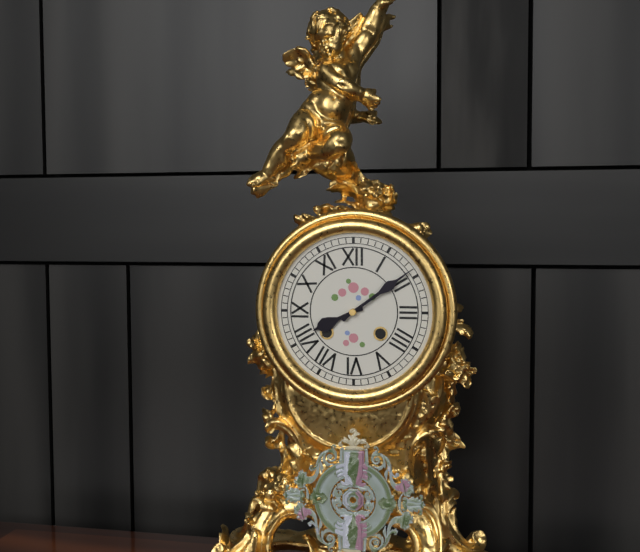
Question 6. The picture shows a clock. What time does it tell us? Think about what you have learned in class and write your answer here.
8:09
